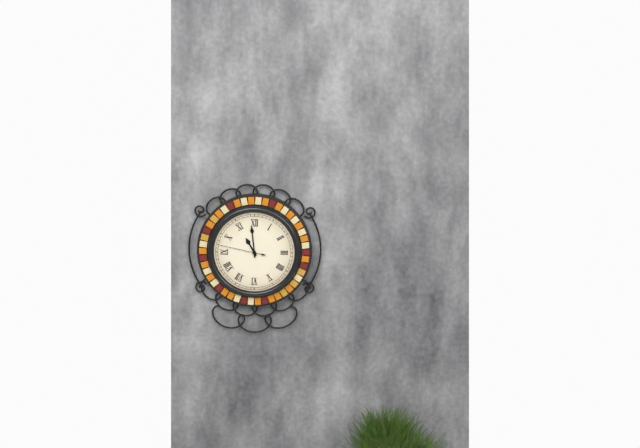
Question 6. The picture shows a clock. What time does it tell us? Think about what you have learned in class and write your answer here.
10:59
